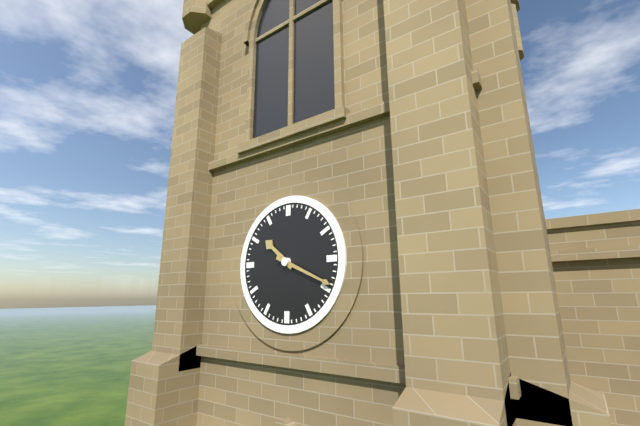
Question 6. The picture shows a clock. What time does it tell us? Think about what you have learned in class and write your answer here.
10:19
